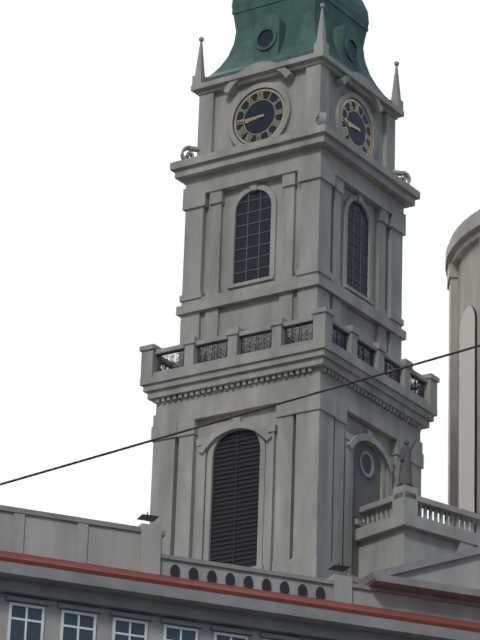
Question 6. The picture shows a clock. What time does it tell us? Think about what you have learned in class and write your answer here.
8:45
